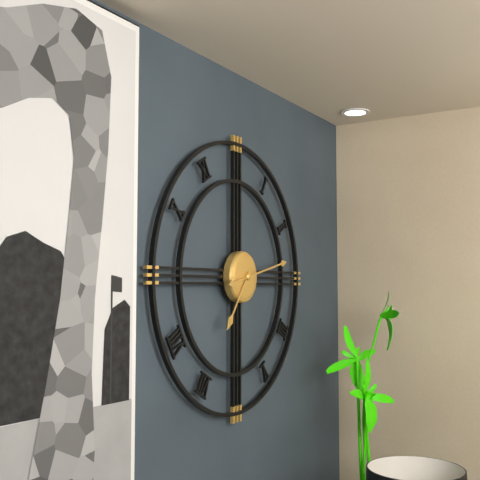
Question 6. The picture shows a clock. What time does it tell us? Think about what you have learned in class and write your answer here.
7:13
